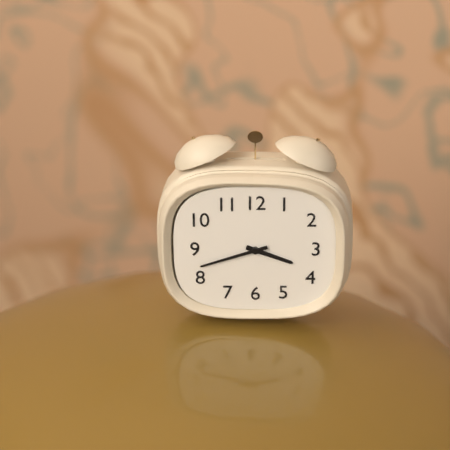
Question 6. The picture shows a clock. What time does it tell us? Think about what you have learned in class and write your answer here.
3:42
